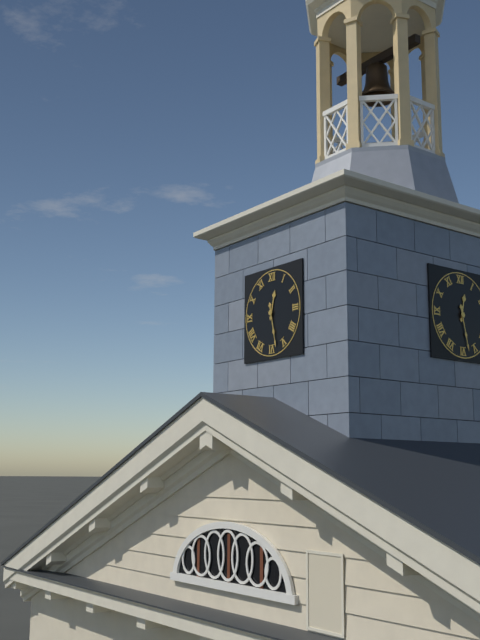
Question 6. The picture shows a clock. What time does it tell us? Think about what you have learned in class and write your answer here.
12:28
